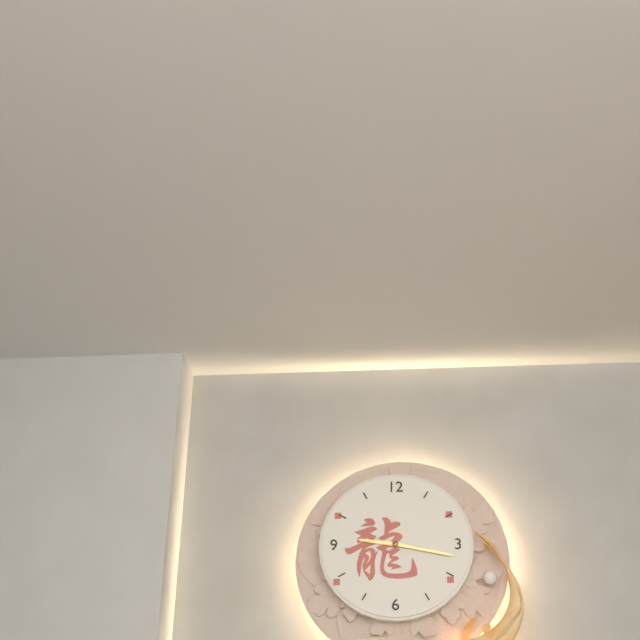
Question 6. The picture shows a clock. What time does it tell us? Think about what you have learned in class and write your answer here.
9:17
